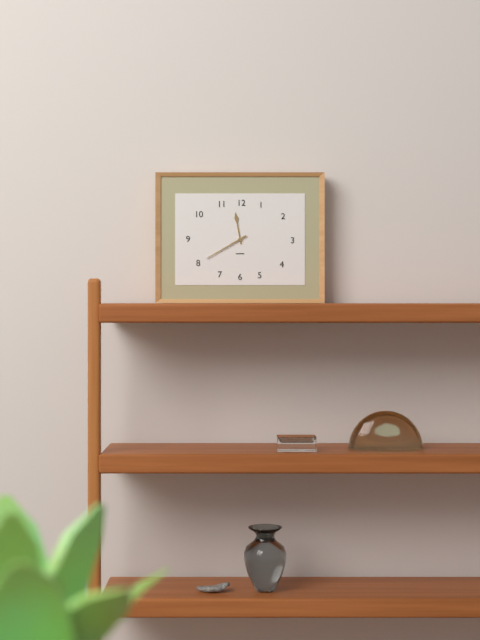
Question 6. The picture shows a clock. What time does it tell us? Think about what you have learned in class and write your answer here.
11:40
